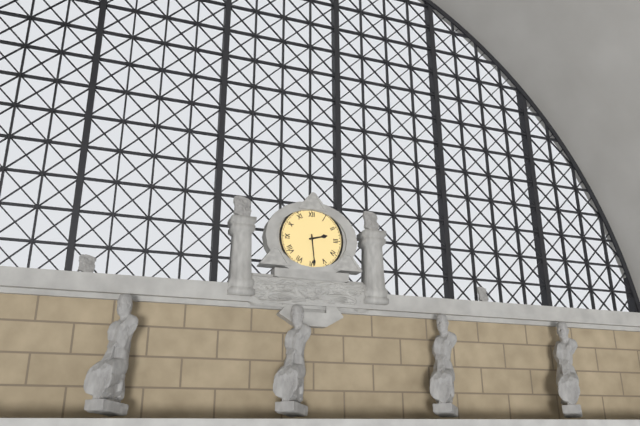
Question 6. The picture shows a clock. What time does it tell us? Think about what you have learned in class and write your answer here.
2:29
